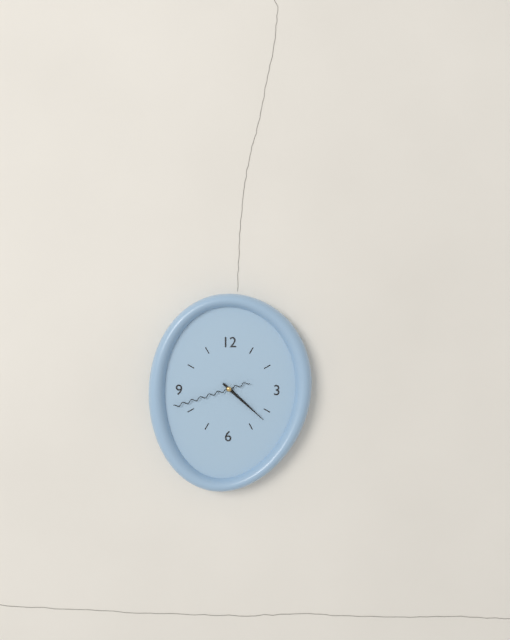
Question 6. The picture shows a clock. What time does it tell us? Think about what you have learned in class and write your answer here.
4:22:42
